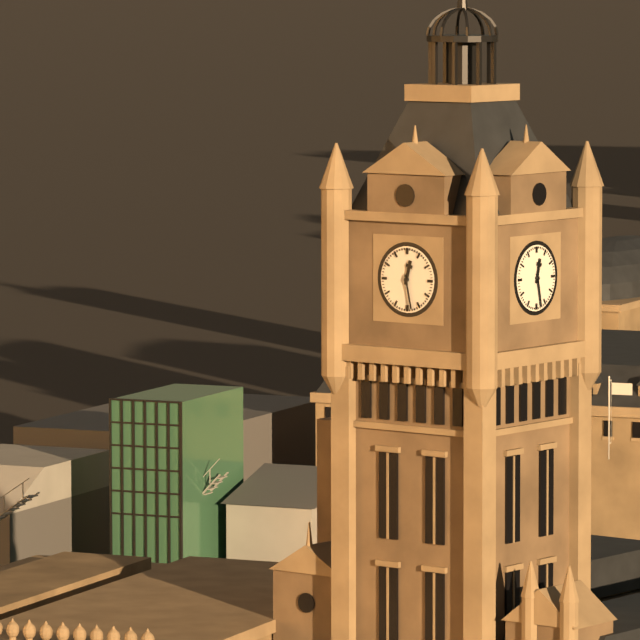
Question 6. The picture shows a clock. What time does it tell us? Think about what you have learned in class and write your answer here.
12:28
